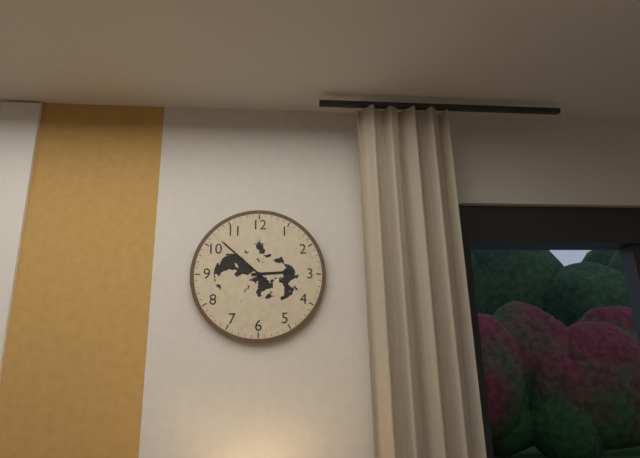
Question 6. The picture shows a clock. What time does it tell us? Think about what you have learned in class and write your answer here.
2:52
